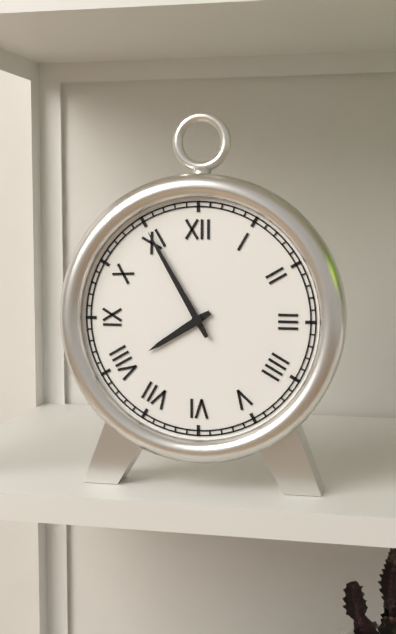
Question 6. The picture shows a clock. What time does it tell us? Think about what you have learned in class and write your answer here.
7:55
